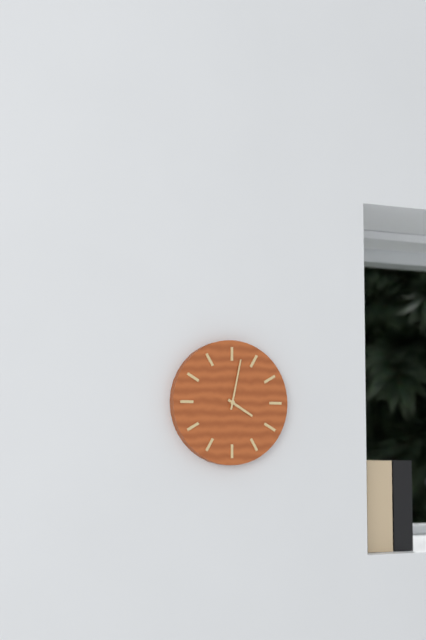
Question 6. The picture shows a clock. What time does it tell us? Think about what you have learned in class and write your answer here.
4:02
